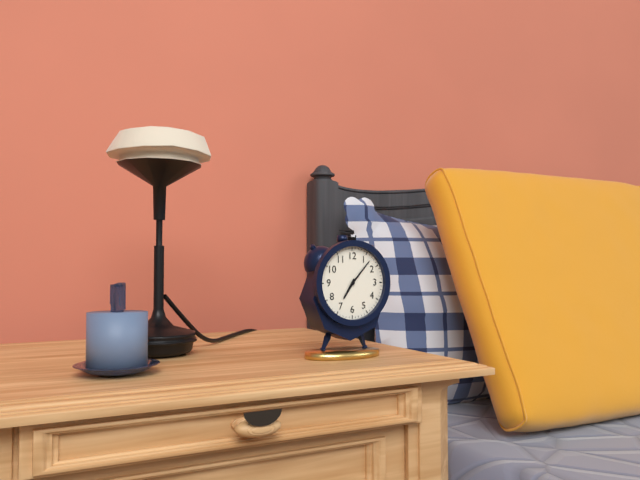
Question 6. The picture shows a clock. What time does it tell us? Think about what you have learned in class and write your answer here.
7:07
